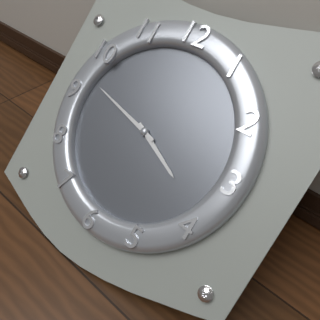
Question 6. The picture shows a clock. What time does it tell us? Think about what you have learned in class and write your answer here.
3:47
